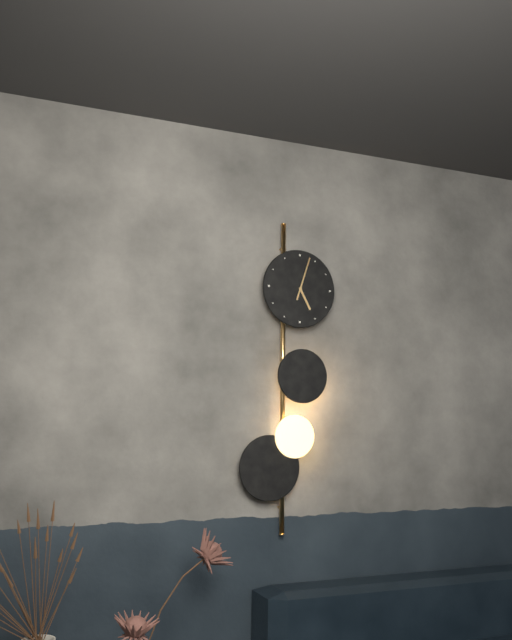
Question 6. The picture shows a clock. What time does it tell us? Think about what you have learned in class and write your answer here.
5:03
